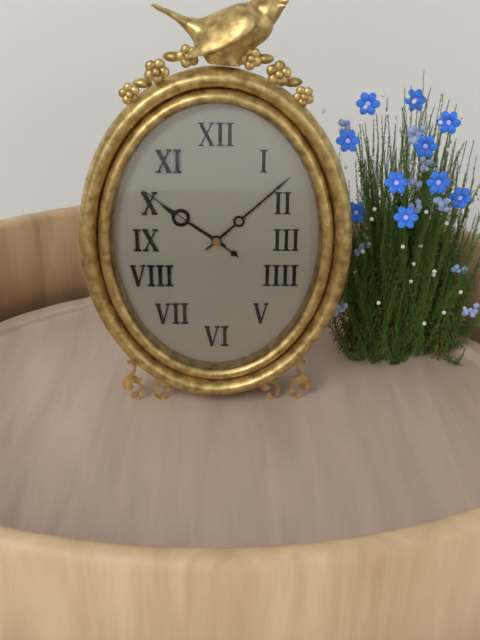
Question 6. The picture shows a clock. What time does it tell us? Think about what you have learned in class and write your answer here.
10:08:51
